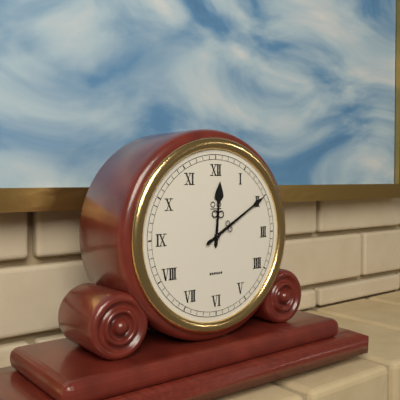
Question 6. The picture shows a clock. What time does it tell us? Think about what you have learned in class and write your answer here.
12:10
